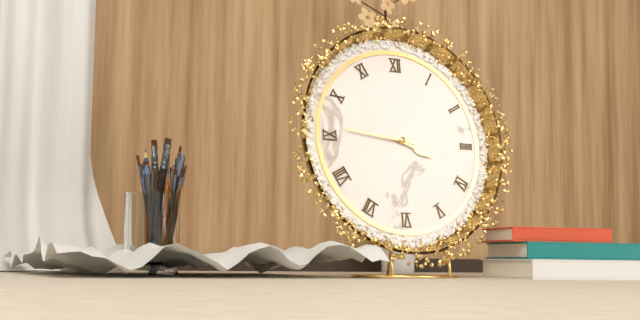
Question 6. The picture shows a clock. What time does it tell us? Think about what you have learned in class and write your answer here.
3:46
